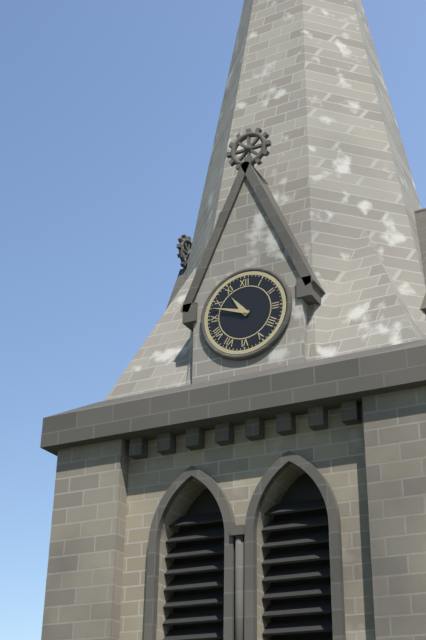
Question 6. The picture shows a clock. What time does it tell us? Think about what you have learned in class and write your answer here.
10:48
